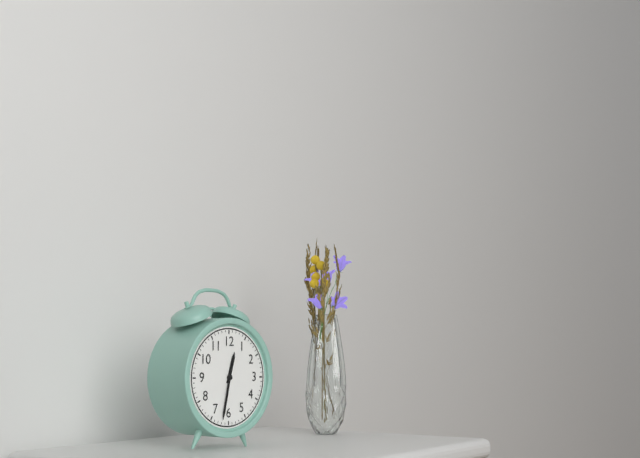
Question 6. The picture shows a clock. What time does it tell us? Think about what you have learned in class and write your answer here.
12:32
